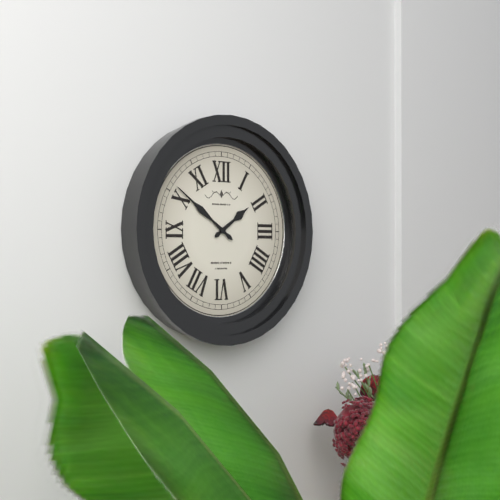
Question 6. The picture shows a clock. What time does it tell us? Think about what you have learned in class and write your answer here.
1:51
